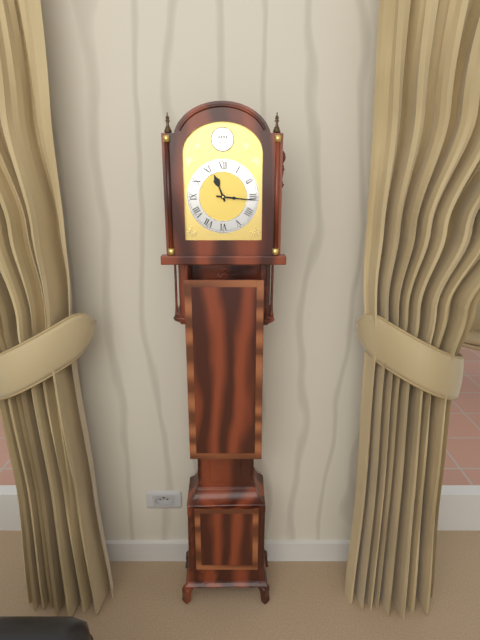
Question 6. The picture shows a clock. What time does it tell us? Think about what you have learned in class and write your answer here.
11:16
